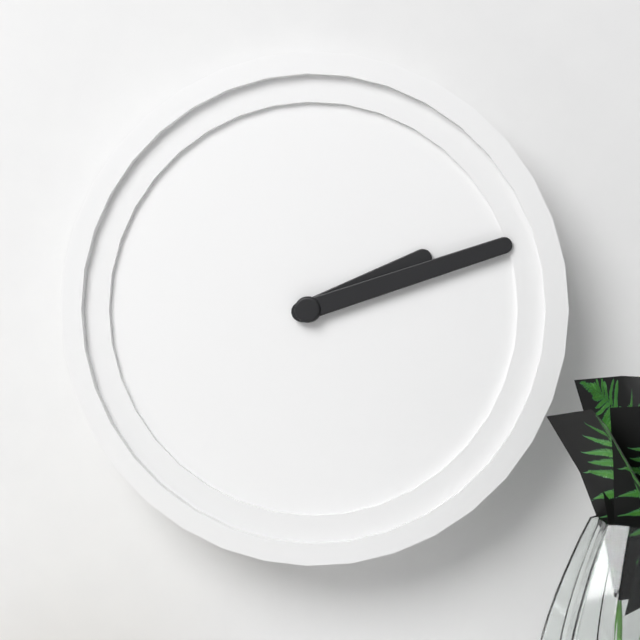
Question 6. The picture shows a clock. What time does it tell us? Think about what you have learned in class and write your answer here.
2:12
